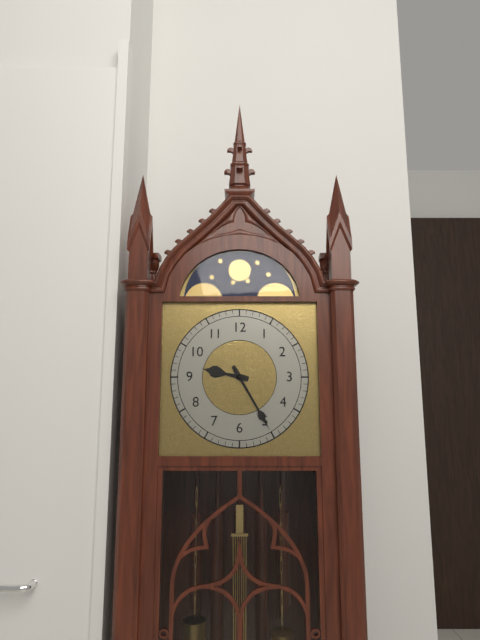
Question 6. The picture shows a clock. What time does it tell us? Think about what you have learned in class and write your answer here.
9:25
